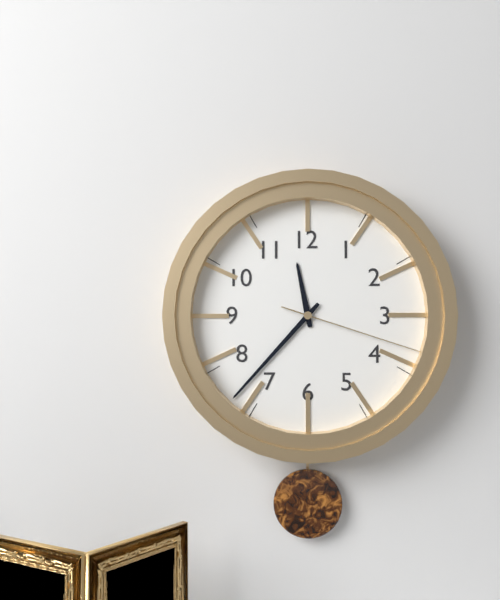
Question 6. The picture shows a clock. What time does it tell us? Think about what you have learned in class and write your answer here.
11:37:18
